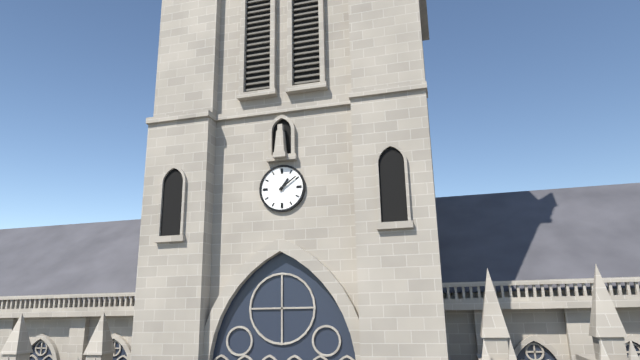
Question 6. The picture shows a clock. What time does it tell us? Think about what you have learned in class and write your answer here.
1:09
